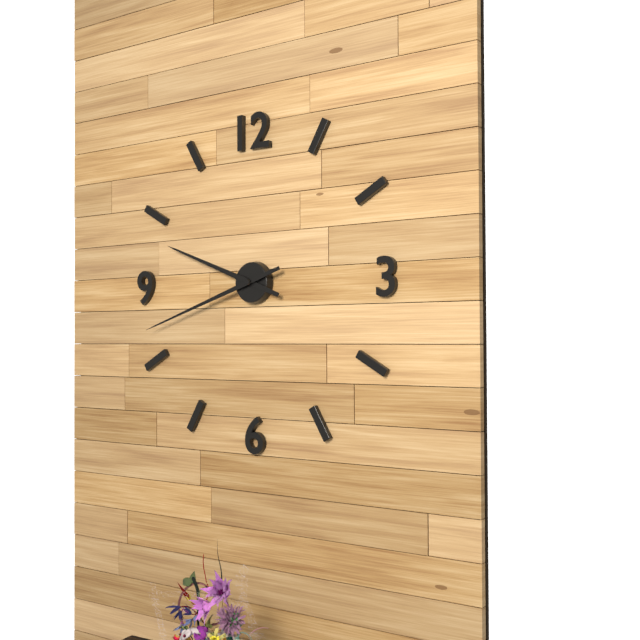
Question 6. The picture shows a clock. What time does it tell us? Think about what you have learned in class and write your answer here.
9:42
